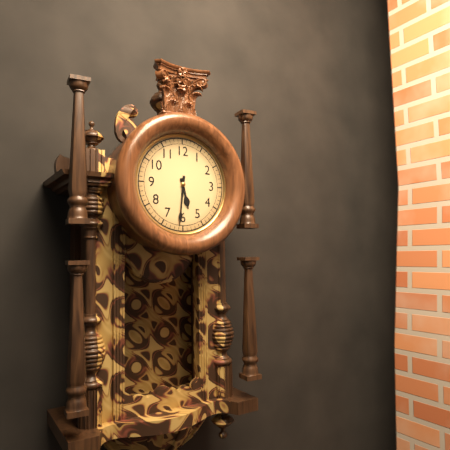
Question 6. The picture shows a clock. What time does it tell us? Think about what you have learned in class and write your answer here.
5:31
